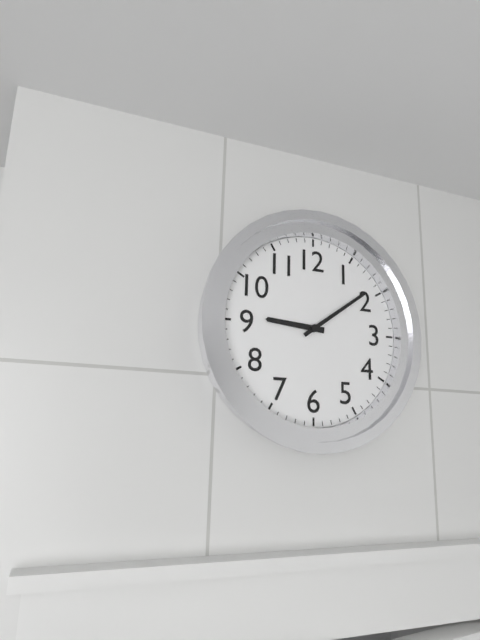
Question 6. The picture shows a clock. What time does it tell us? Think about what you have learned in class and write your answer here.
9:09
